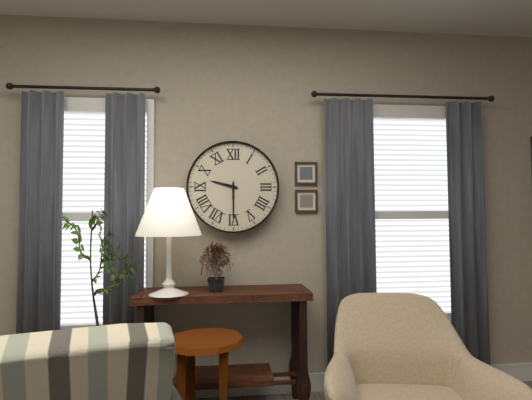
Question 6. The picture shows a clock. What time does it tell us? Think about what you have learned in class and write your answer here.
9:30
